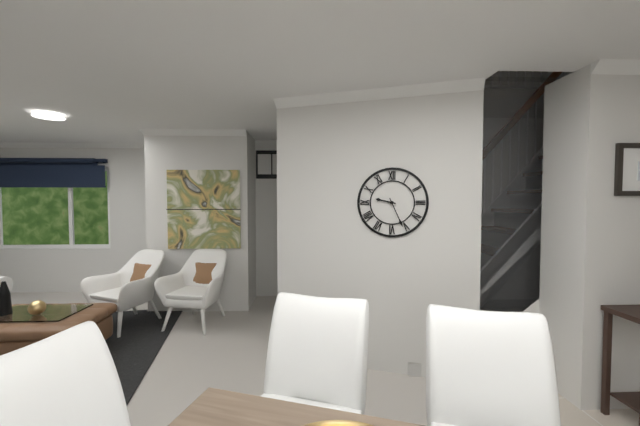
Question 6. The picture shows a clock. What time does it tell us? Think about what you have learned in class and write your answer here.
9:26
